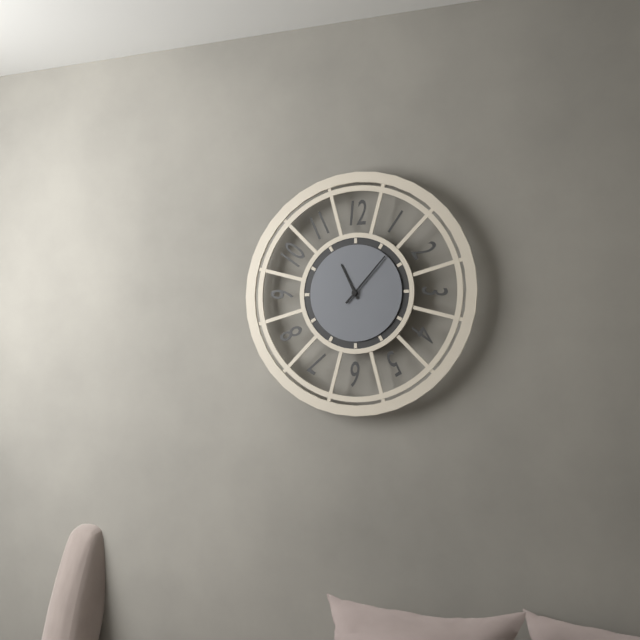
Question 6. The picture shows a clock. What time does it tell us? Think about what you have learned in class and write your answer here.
11:07
